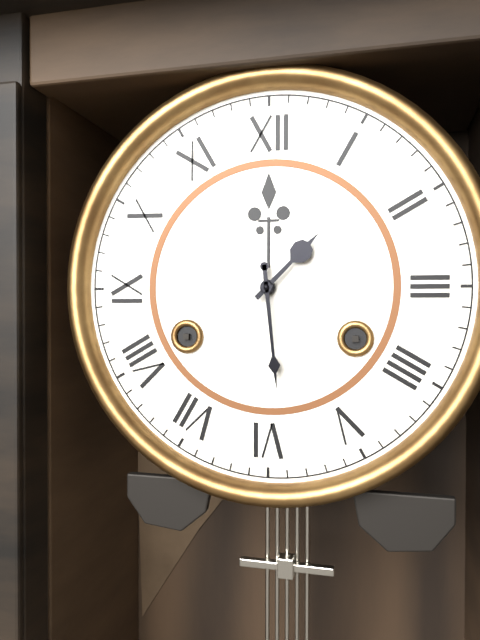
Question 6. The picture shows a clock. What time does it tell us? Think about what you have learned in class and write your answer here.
1:29
